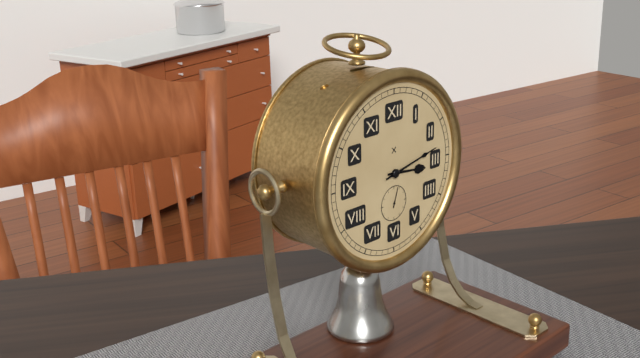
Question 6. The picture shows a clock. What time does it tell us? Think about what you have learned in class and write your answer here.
3:13
